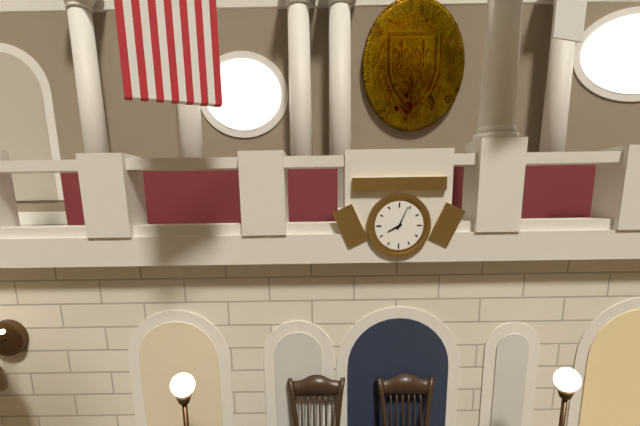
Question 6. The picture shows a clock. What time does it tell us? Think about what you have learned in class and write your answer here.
8:04
